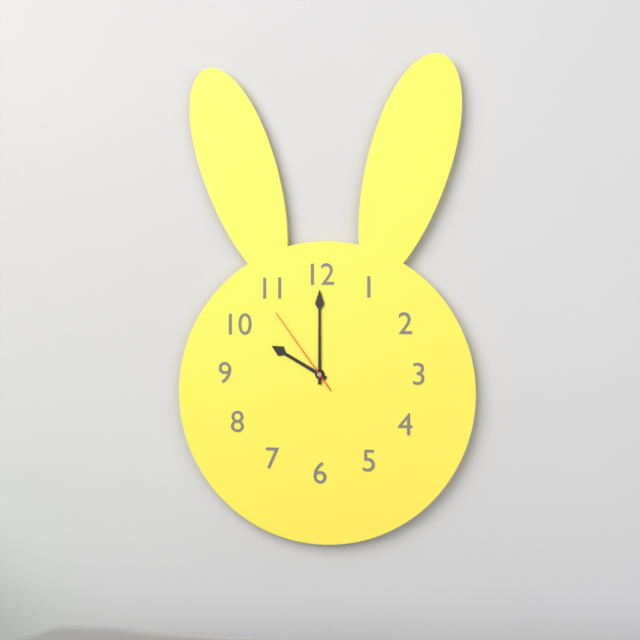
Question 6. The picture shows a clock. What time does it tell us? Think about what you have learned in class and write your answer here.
10:00:54
